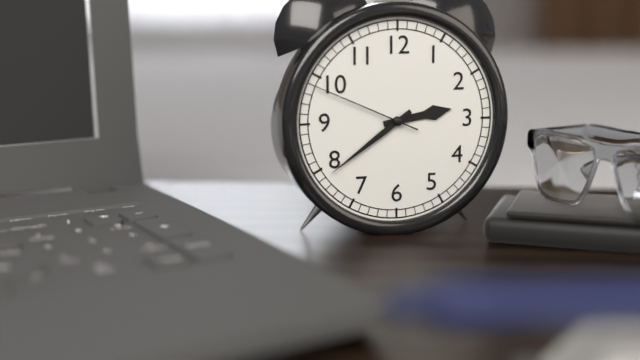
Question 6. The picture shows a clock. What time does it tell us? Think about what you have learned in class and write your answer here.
2:39:49
